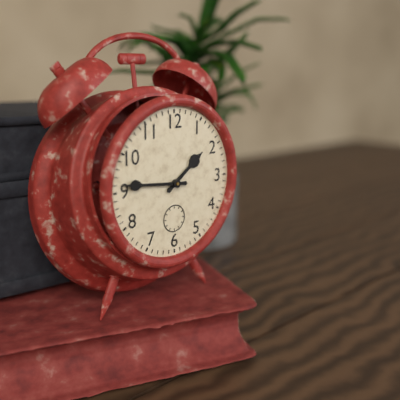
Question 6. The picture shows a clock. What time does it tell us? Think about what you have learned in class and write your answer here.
1:46
